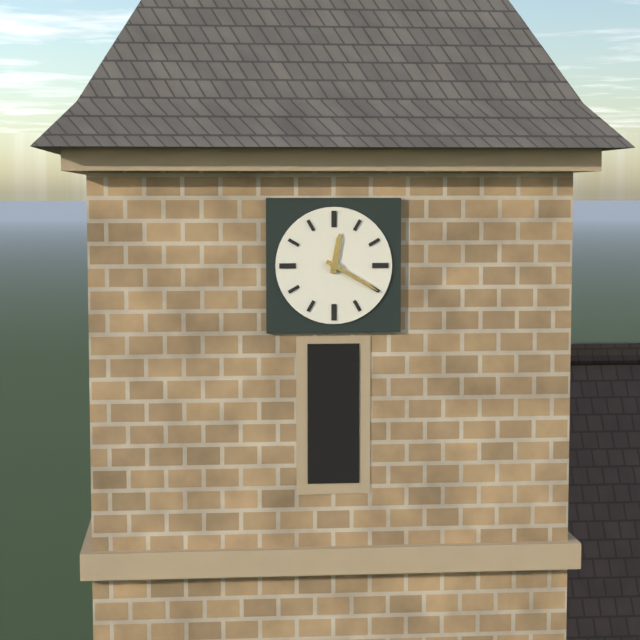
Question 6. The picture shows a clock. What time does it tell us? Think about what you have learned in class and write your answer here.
12:20
